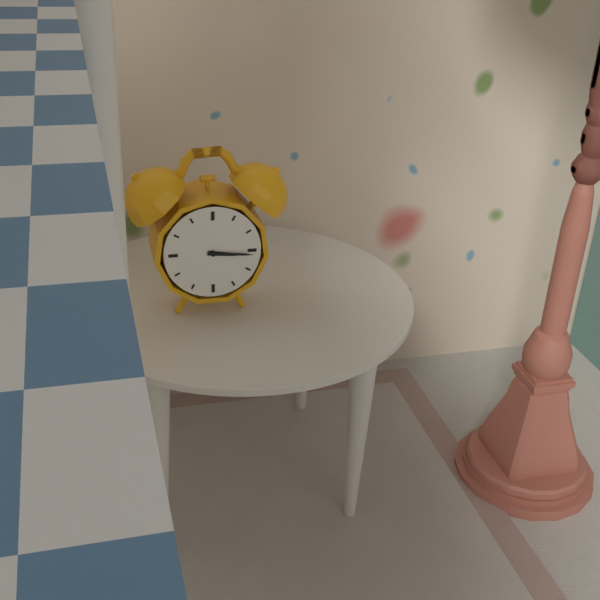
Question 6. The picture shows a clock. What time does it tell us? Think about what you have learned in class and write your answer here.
3:16
